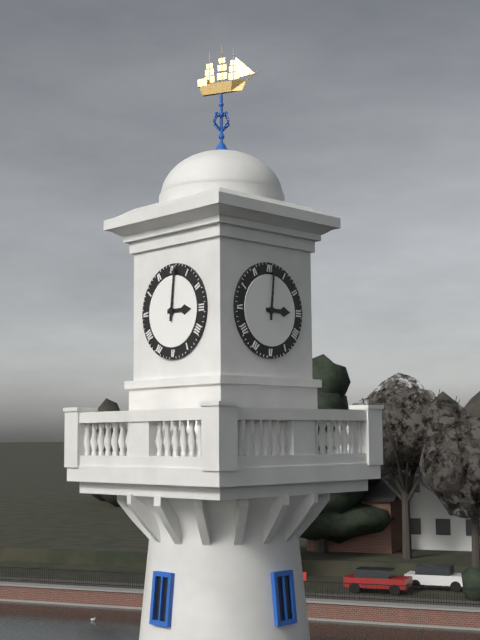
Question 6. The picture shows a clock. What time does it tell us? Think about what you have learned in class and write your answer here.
3:01
